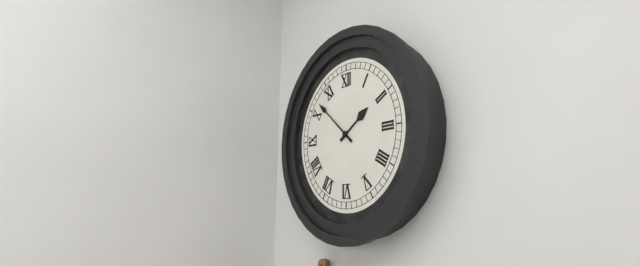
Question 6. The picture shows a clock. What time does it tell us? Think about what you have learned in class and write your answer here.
1:52
